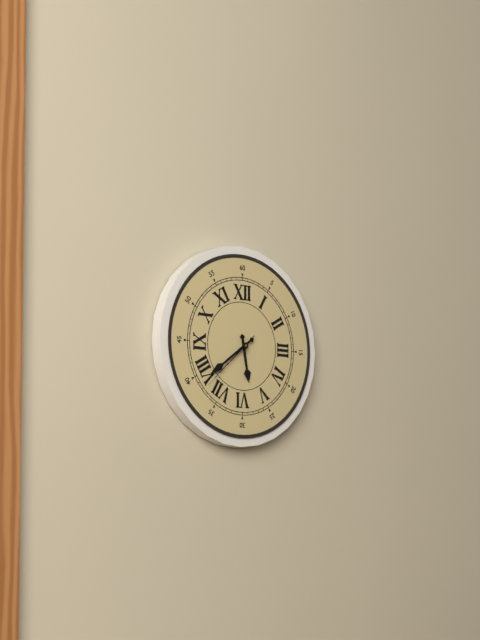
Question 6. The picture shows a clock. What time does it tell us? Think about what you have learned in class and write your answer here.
5:39:38
